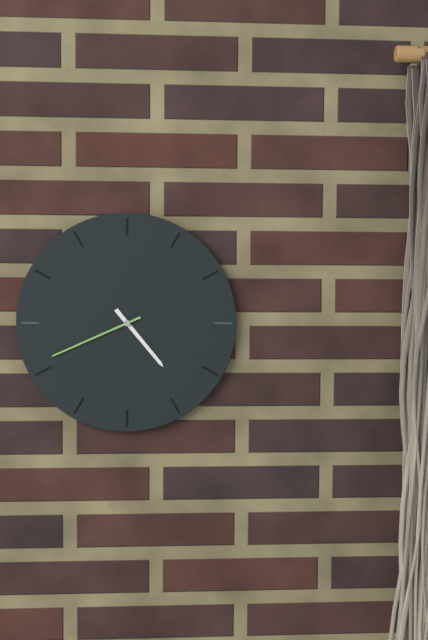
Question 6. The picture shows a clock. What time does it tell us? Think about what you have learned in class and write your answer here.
4:41
